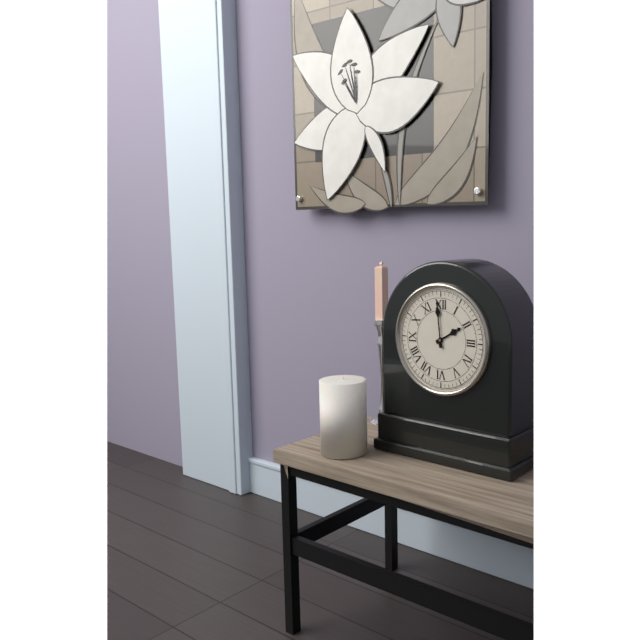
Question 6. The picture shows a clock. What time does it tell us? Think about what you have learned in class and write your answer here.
1:59
